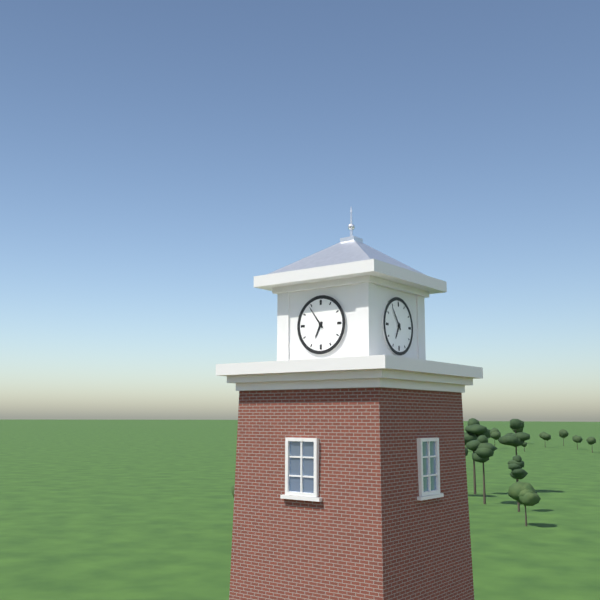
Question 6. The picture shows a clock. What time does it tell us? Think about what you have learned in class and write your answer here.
6:54
